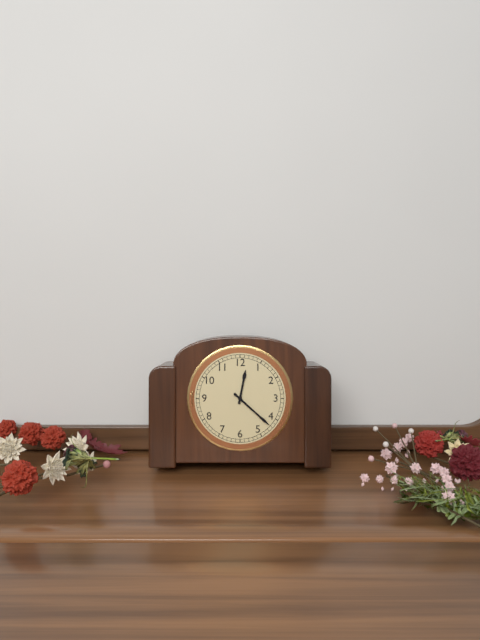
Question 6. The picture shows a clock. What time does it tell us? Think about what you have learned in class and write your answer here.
12:22
